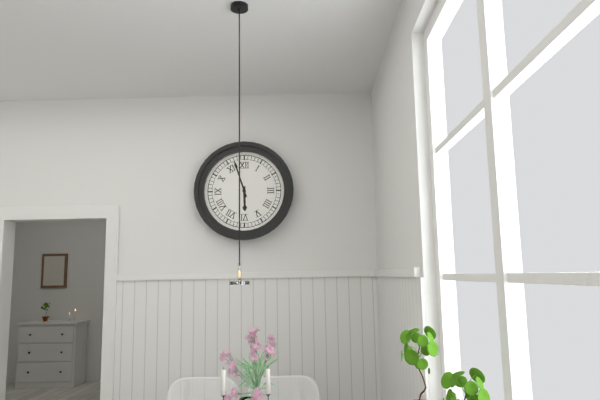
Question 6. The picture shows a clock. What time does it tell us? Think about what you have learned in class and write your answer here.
5:57
